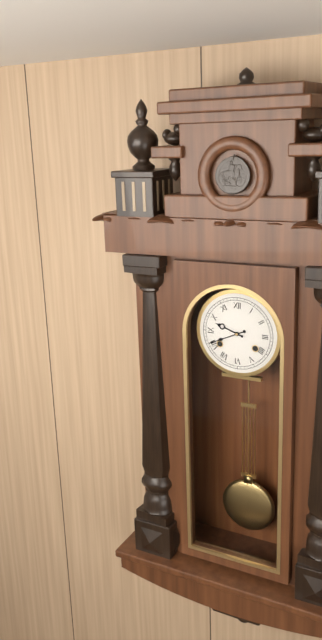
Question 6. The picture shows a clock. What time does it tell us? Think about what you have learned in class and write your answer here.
9:41
